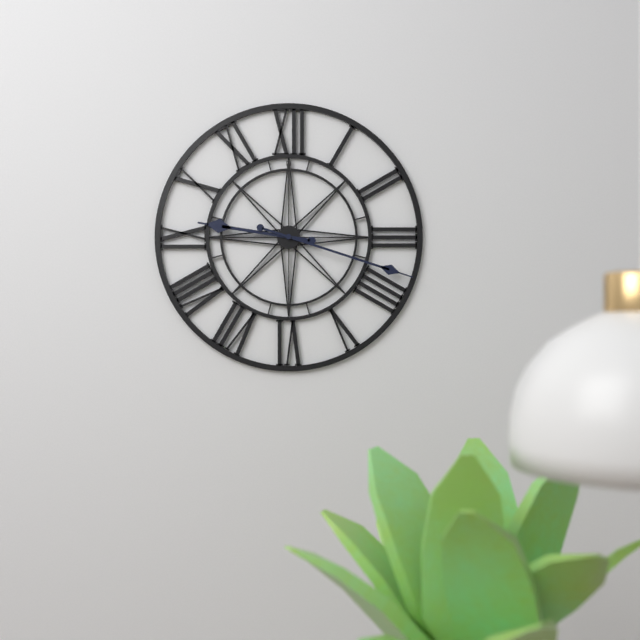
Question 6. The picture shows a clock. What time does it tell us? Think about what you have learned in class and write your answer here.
9:18
